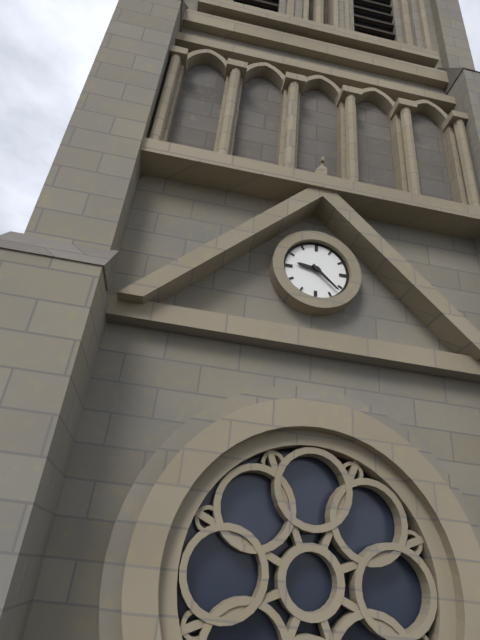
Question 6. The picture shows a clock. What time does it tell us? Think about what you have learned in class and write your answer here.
9:22
